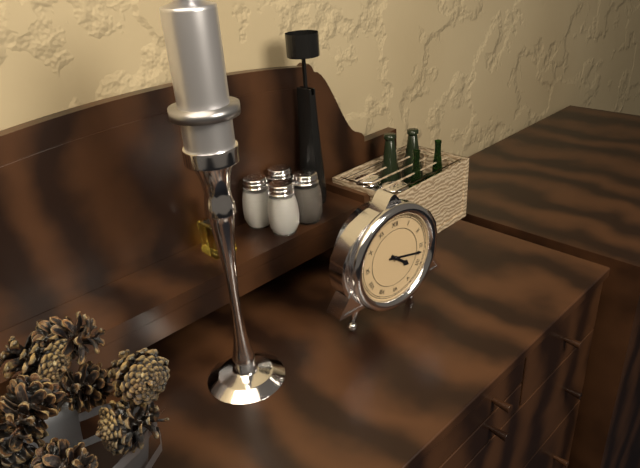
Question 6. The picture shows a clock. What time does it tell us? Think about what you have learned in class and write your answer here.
4:17
